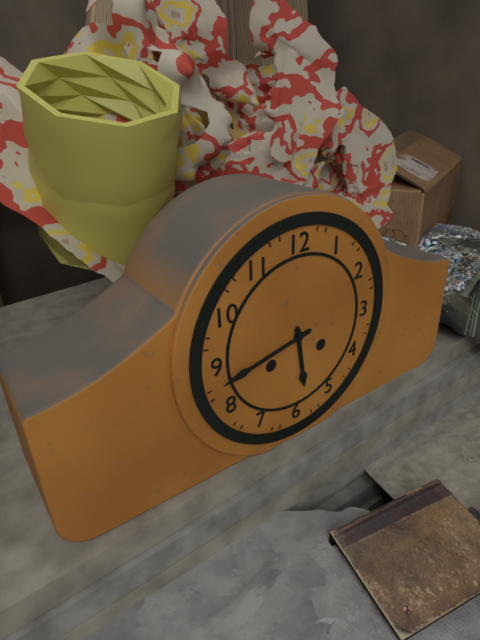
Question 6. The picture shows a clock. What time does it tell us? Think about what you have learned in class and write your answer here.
5:43
